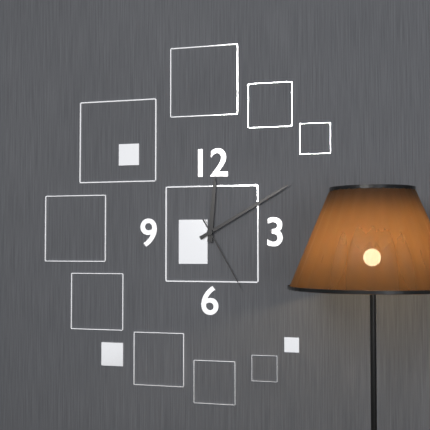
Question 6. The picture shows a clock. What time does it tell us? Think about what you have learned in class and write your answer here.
12:10:25
